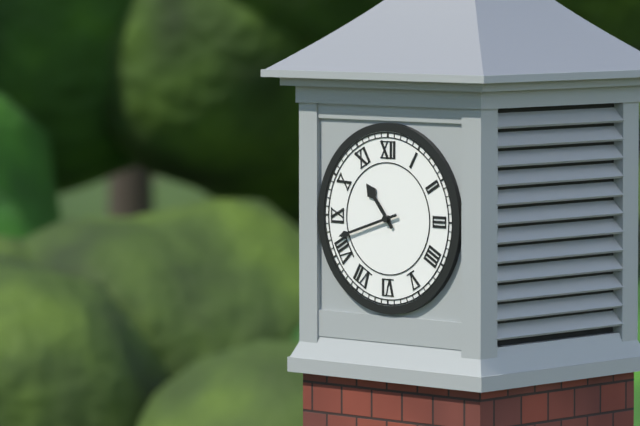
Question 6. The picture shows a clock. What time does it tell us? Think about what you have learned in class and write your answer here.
10:42
